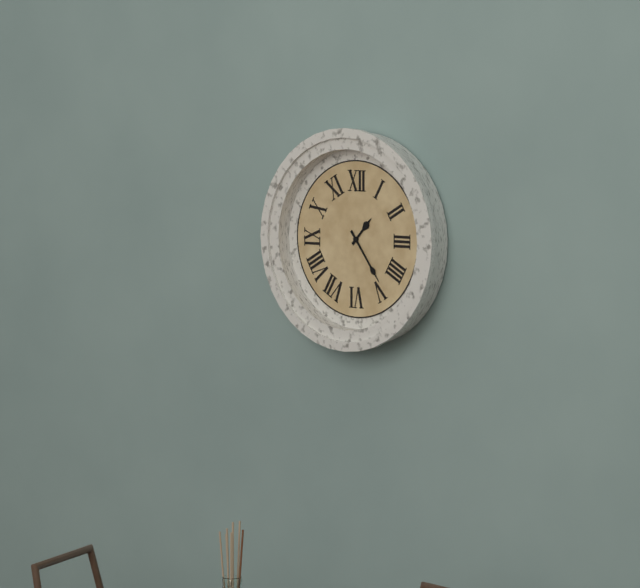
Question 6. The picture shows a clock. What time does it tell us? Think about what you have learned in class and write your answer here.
1:24
